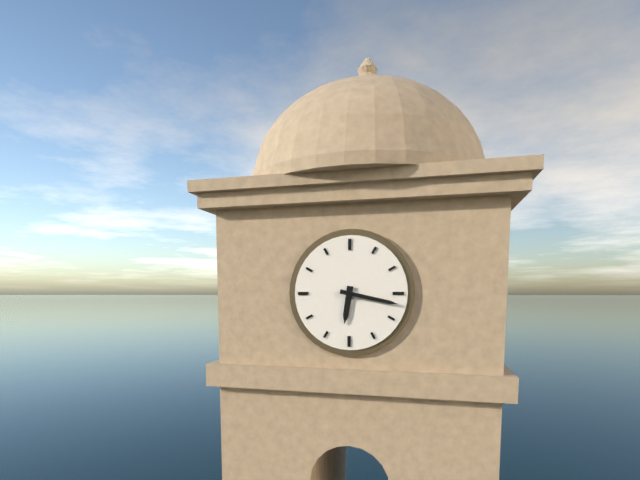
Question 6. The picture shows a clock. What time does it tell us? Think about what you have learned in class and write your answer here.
6:17
